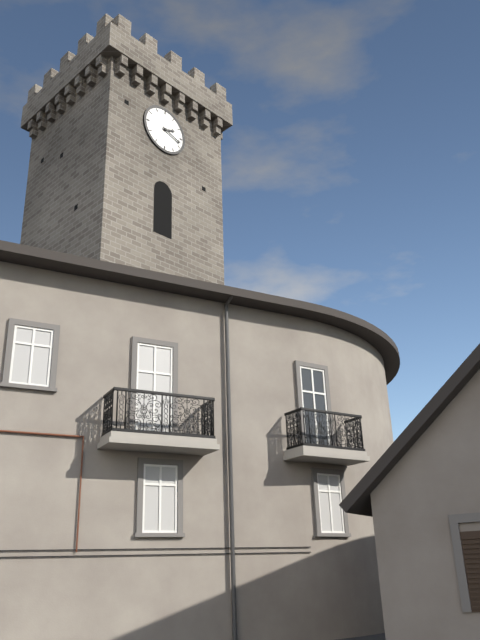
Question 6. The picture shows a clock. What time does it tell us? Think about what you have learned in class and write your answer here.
2:18
